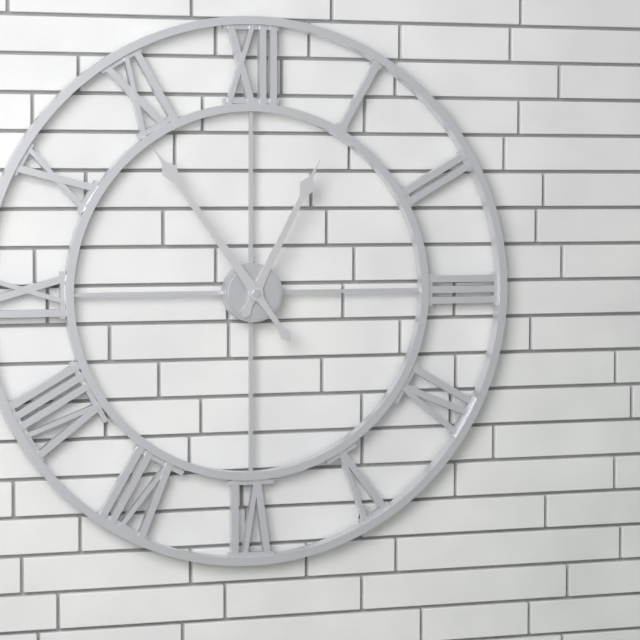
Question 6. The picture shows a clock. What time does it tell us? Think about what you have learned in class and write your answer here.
12:54
